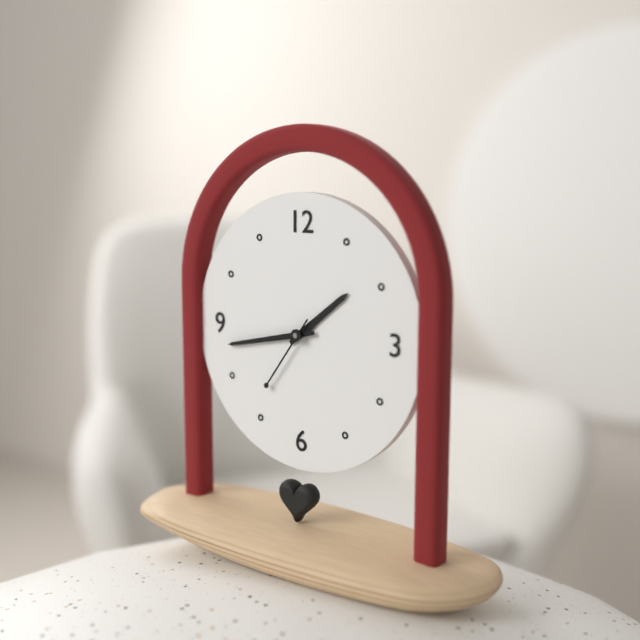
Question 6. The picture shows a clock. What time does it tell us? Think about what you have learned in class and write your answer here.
1:43:36
